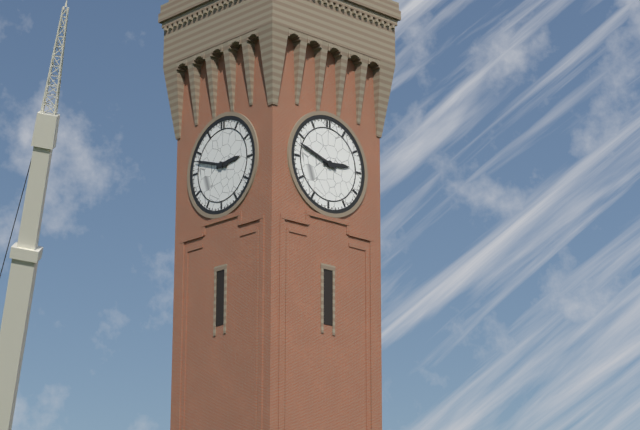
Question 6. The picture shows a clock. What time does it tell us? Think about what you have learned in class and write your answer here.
2:48
